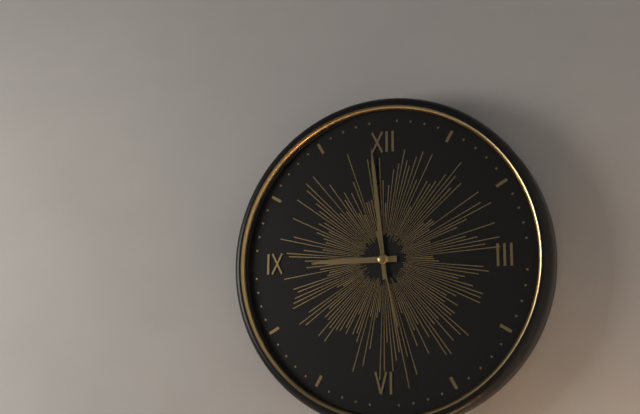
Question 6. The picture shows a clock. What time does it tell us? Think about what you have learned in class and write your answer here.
8:59:28
